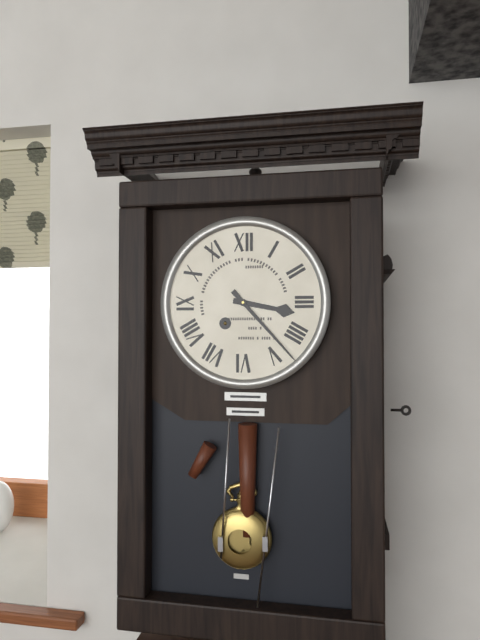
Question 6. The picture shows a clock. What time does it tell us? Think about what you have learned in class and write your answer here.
3:23
